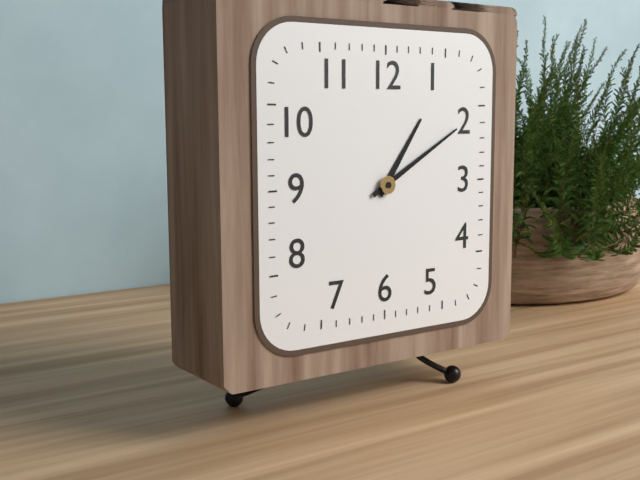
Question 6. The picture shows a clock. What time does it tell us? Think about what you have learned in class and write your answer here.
1:10
